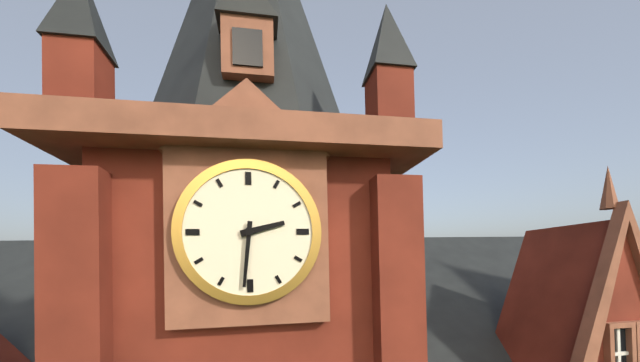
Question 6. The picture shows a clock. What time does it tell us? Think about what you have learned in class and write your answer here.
2:31
